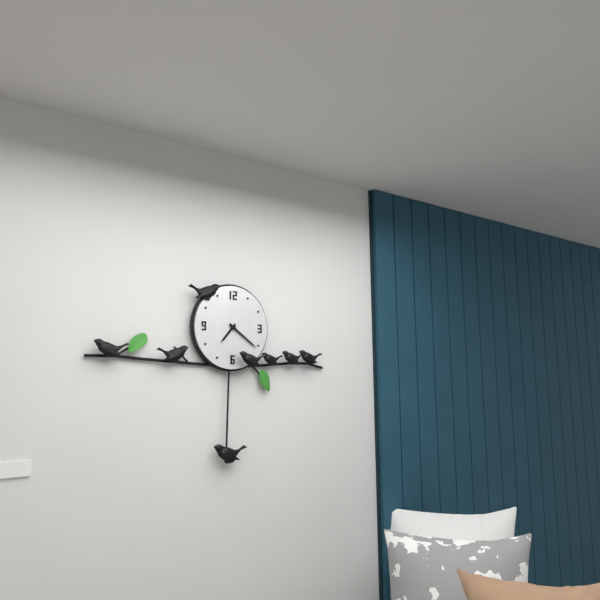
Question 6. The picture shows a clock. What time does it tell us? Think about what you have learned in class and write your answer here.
7:21
